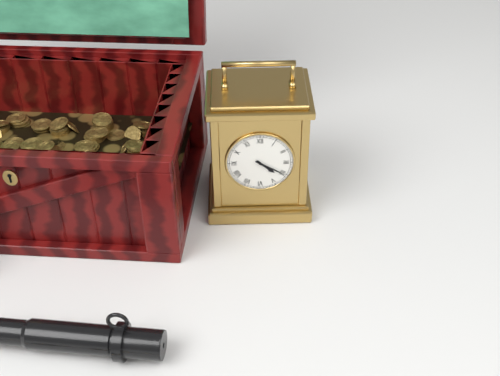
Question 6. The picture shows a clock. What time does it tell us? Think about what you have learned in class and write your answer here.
4:20
